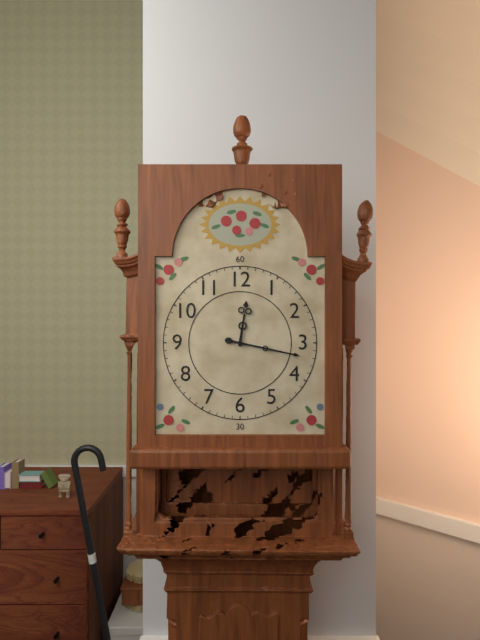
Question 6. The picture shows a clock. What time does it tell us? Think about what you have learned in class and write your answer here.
12:17
